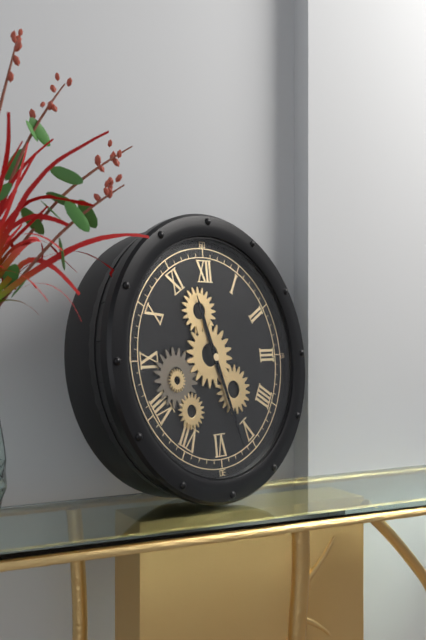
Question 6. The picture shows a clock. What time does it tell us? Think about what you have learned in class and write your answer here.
11:27
